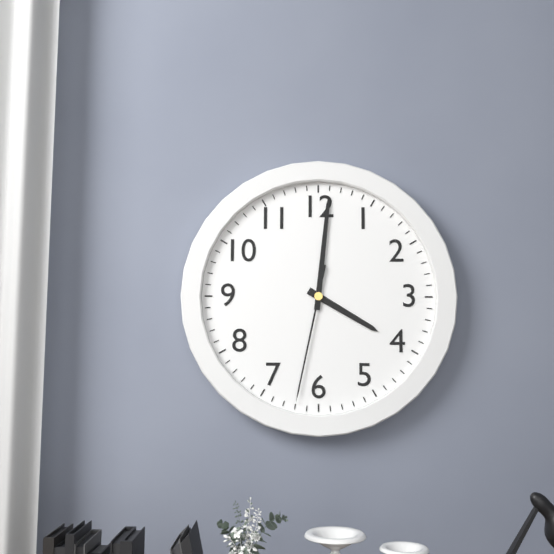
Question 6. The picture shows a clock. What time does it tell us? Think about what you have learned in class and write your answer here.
4:01:32
